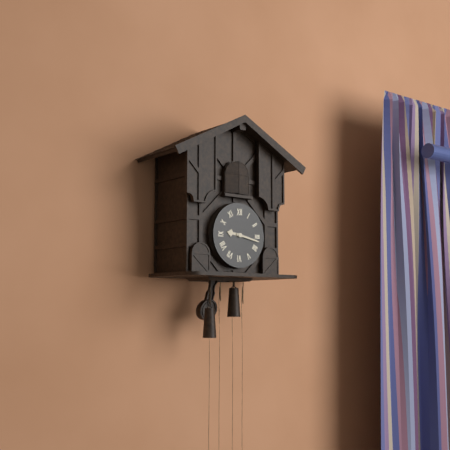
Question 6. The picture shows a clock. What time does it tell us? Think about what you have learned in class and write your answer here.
9:17
